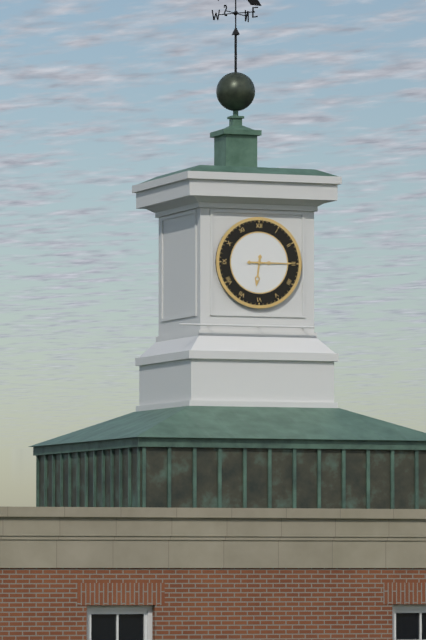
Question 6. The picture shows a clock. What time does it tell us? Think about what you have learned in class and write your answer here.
6:15
